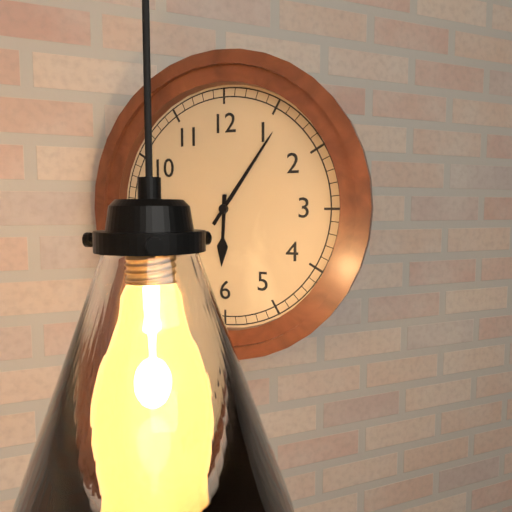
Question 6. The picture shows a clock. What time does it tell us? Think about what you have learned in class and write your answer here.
6:06
